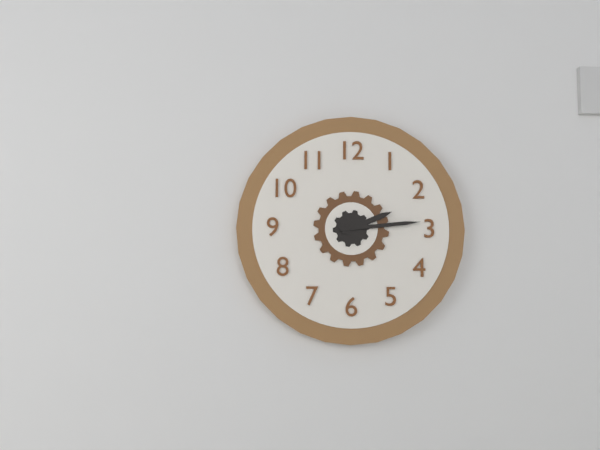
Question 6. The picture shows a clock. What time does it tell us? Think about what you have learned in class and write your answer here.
2:14
